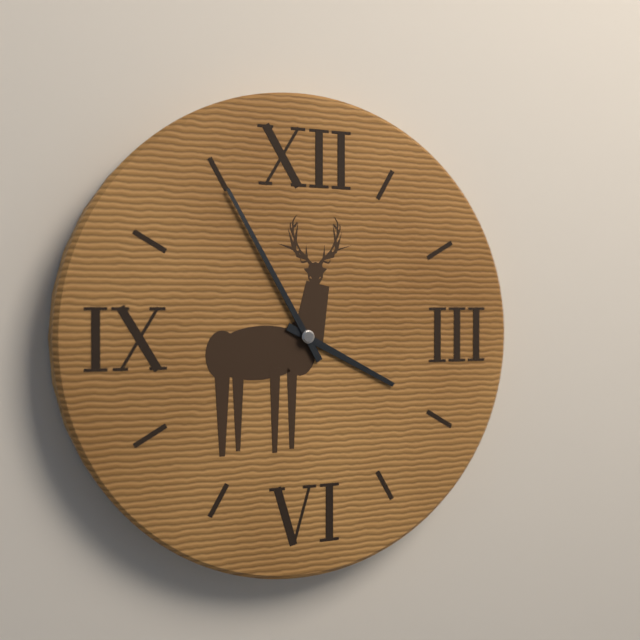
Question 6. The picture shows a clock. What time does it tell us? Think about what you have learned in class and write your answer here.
3:55
